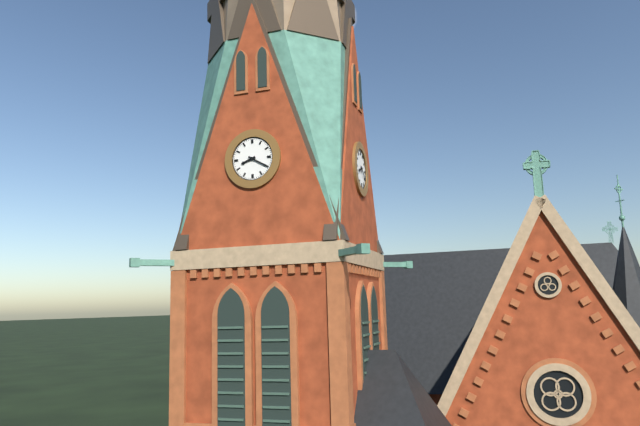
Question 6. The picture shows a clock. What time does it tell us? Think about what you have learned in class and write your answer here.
8:20
